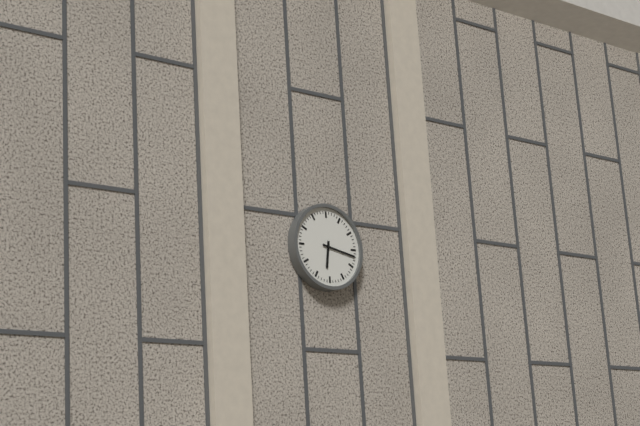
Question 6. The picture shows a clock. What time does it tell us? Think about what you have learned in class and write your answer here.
6:17
